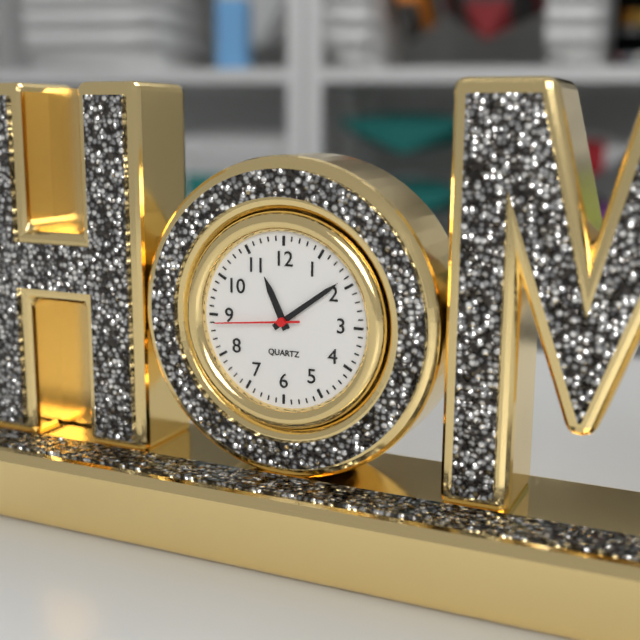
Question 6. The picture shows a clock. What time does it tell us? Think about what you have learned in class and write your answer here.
11:09:44
